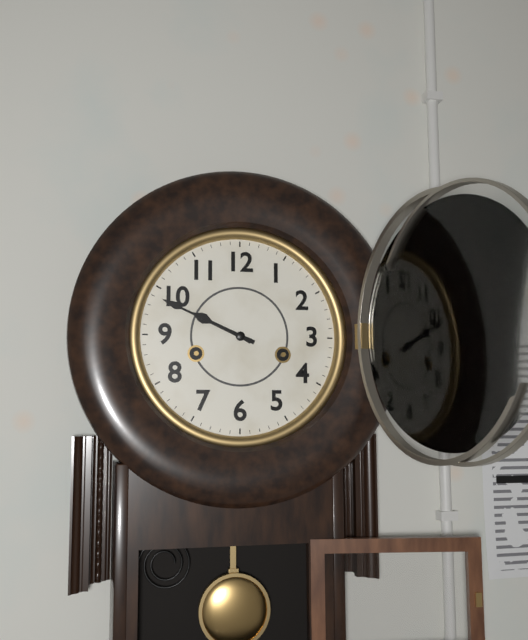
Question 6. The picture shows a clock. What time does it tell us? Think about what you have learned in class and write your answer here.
9:49
